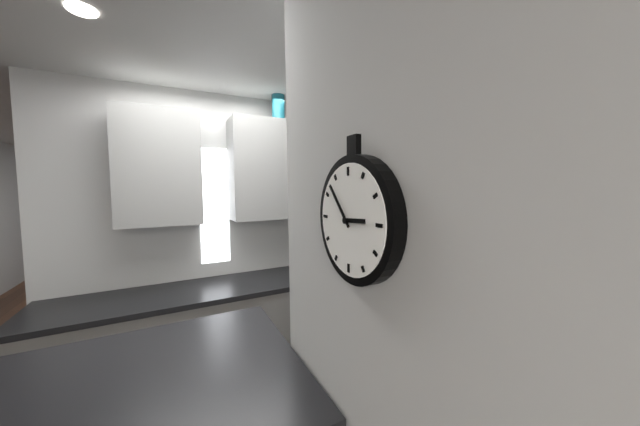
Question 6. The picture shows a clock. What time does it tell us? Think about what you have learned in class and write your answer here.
2:53
